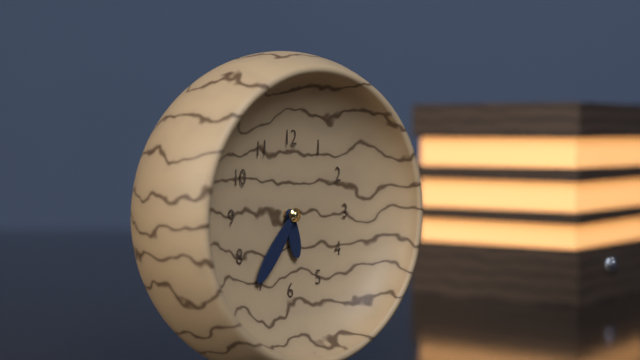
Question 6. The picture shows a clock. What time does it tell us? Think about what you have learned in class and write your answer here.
5:36
